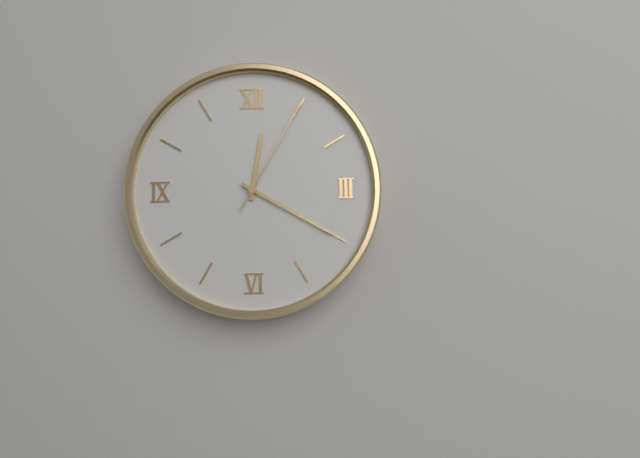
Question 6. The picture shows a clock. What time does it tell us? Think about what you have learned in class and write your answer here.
12:20:05
